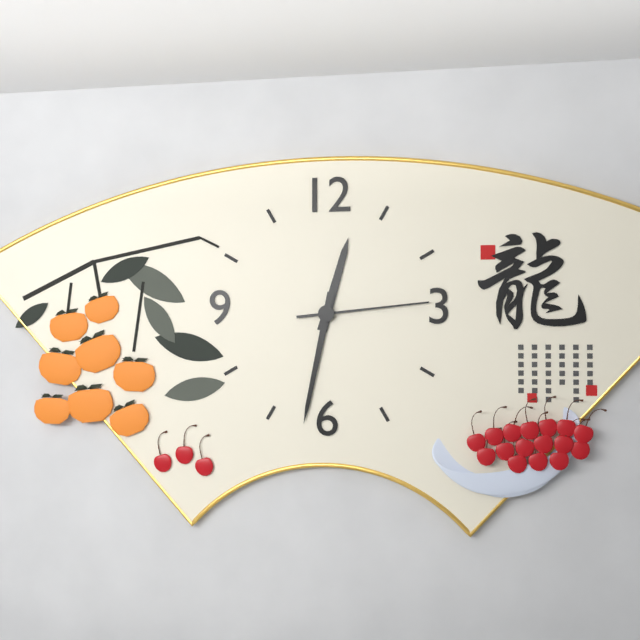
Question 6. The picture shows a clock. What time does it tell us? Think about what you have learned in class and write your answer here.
12:32:14
